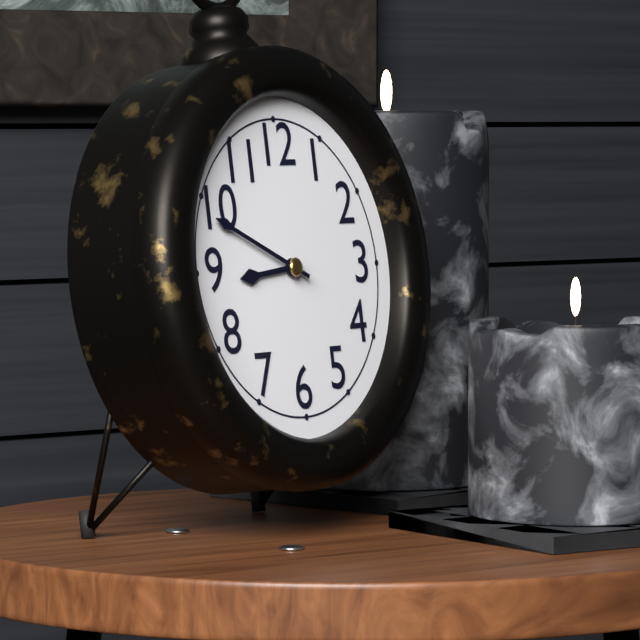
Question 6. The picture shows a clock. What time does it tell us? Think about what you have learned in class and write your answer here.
8:49
